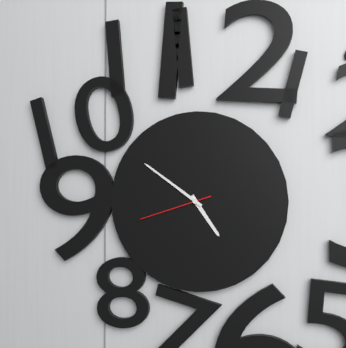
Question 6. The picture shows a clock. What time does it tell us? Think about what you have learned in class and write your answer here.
4:51:42
